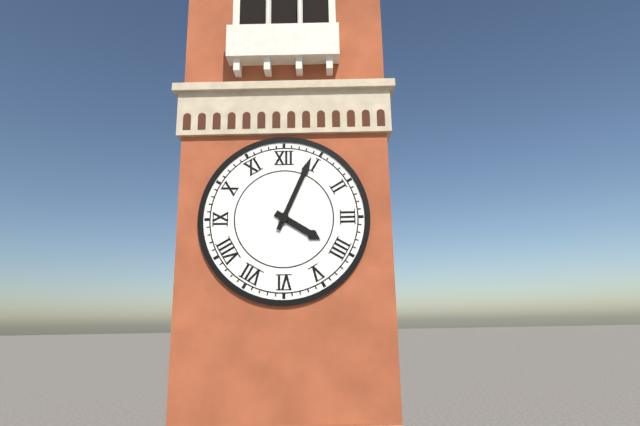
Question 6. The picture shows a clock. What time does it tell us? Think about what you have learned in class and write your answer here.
4:04
